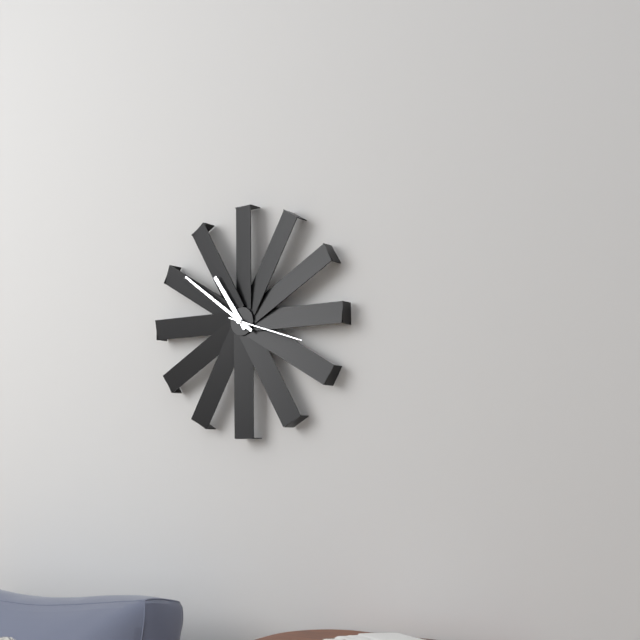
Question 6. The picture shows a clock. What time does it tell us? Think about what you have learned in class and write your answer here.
10:51:18
